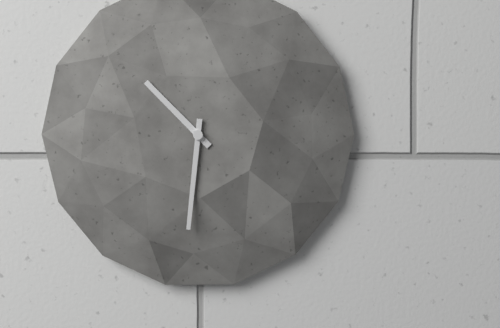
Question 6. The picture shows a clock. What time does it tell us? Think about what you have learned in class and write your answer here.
10:31
